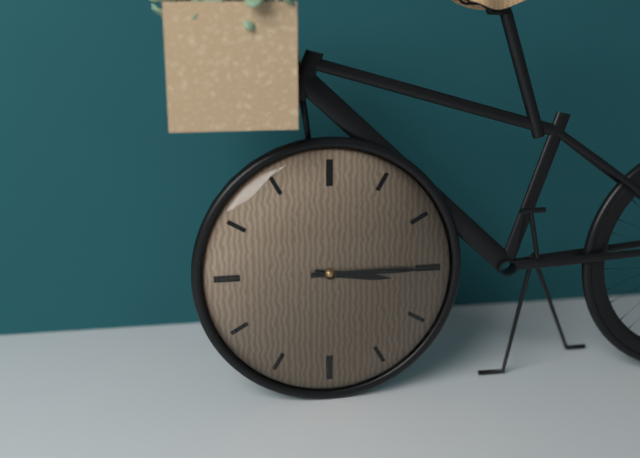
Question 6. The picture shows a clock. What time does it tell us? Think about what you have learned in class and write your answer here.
3:15
